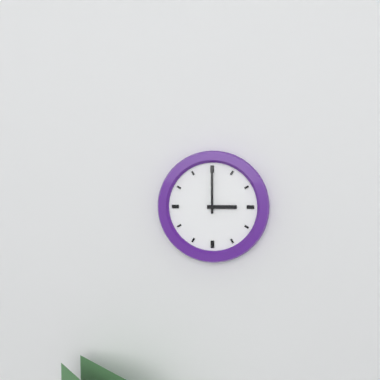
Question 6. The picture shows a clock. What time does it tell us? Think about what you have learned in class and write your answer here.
3:00
